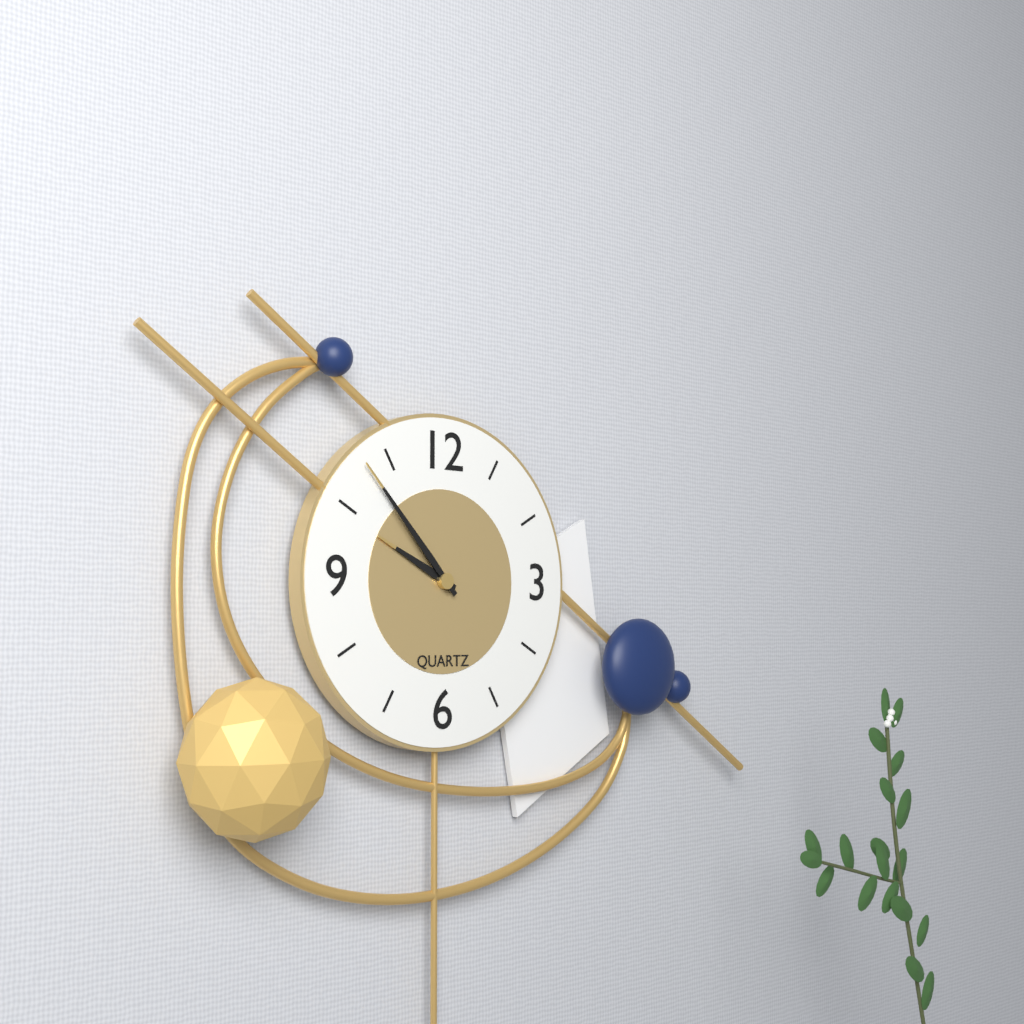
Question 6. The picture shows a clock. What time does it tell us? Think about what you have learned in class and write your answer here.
9:53
